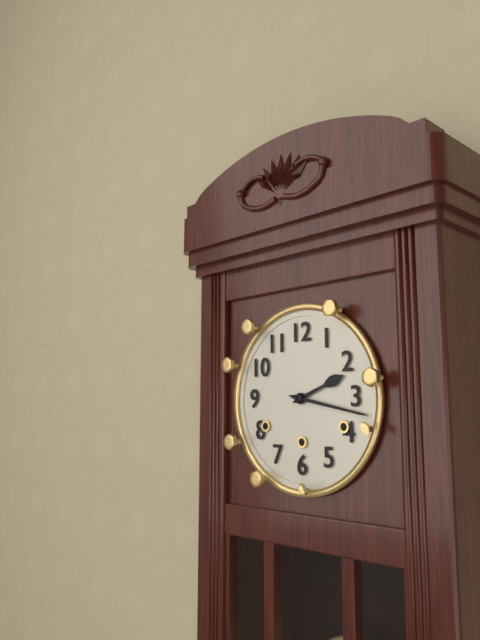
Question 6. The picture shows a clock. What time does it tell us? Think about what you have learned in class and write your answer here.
2:17
